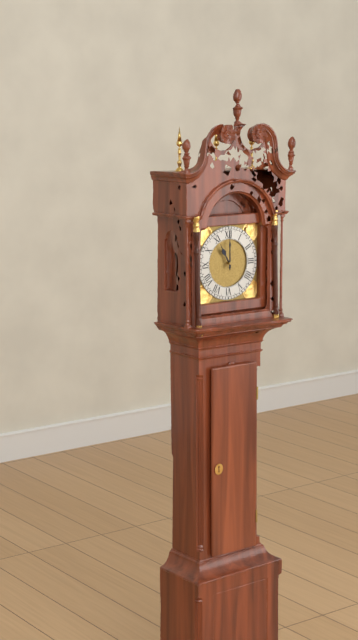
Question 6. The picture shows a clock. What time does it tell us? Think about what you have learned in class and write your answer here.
11:00
